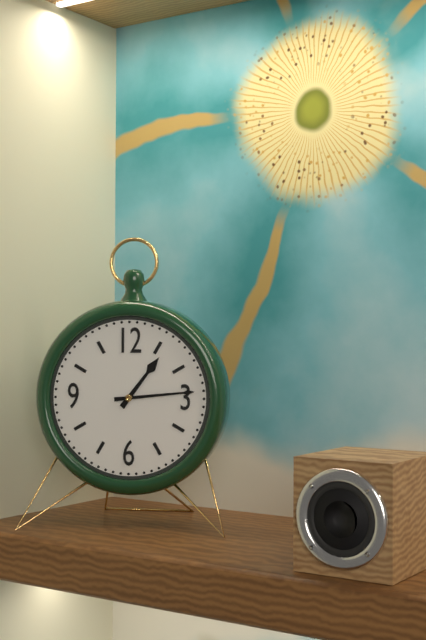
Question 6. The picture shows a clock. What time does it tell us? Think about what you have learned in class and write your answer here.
1:14
